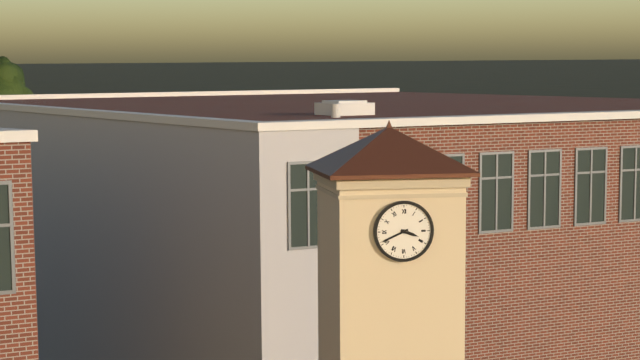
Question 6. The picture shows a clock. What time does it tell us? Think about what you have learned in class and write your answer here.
3:41
